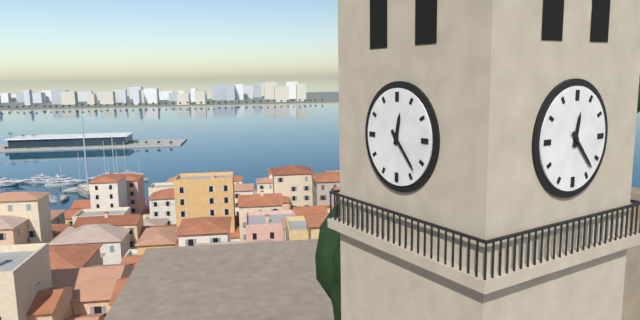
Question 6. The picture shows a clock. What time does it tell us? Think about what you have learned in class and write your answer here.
12:23
